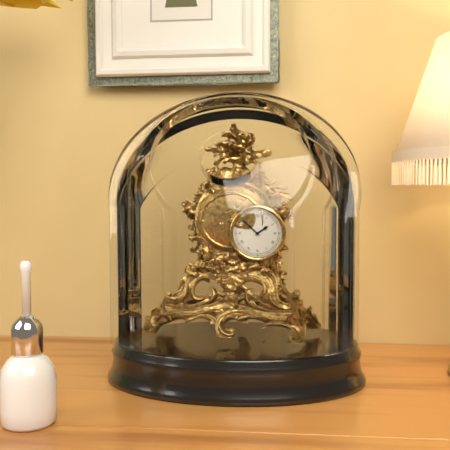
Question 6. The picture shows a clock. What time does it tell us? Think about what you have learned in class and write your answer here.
1:52
